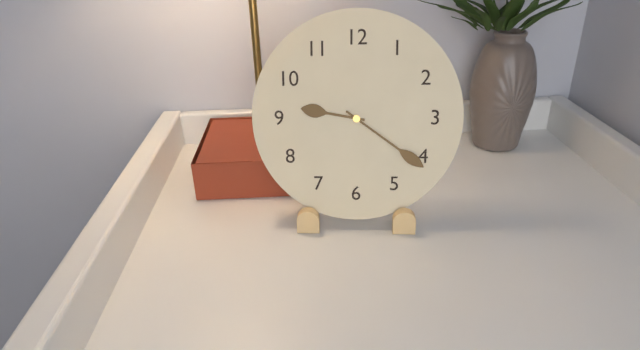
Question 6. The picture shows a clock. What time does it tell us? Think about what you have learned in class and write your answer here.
9:21
